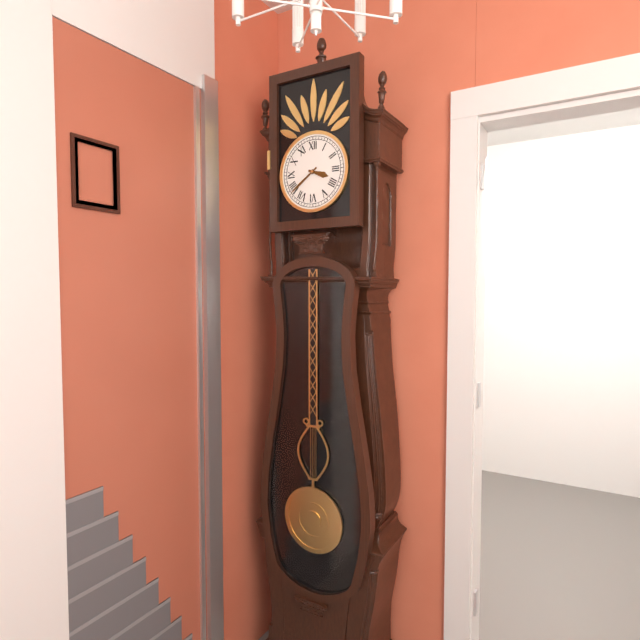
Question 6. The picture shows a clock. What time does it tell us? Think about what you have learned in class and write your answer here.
3:39
